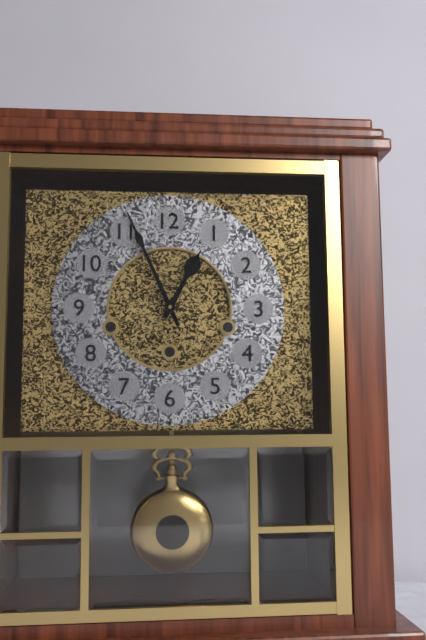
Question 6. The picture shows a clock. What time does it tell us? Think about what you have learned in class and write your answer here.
12:56
